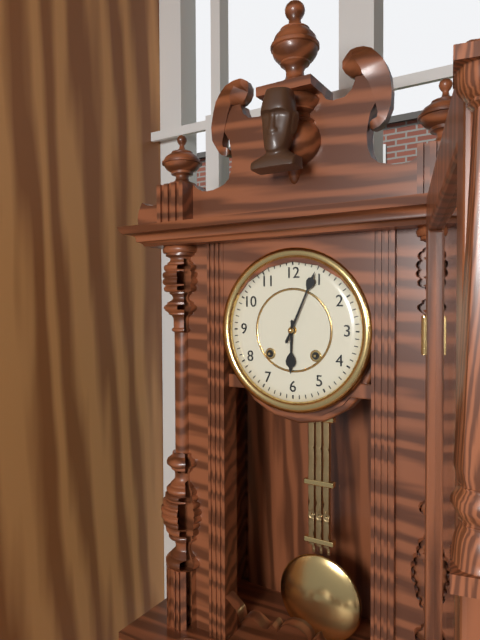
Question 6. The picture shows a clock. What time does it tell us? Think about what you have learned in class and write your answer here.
6:04
